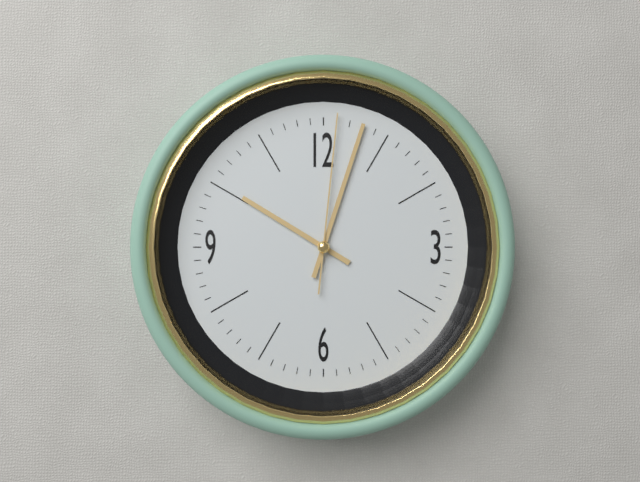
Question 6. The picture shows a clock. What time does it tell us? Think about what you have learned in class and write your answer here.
10:03:01
